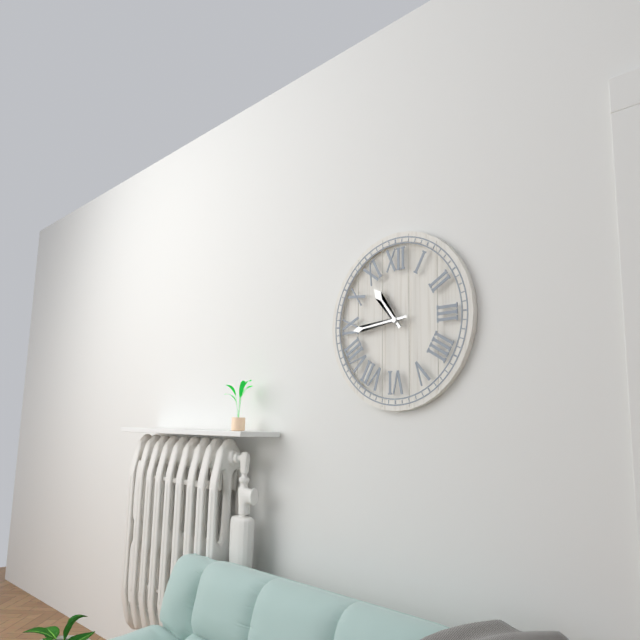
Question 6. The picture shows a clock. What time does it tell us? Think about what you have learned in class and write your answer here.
10:44
